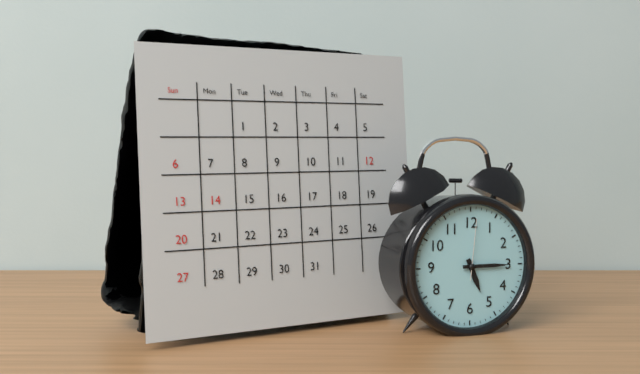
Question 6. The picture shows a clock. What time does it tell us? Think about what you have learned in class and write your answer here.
5:15:01
